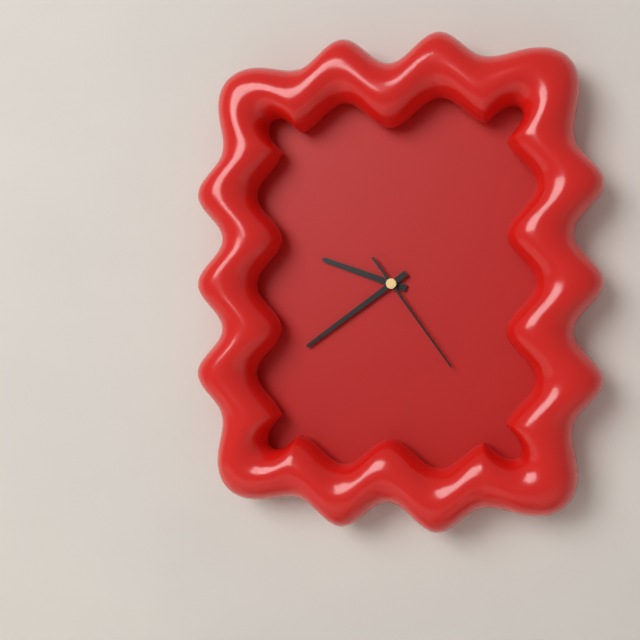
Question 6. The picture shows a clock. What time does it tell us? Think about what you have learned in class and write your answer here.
9:39:24
